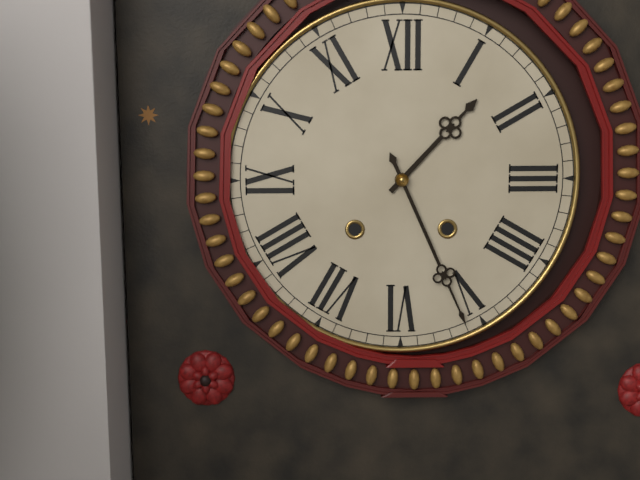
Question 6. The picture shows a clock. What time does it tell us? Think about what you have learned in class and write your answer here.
1:26
